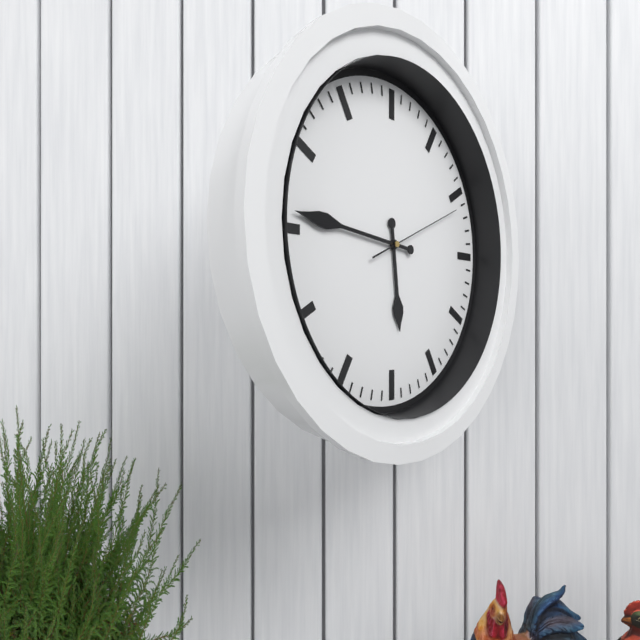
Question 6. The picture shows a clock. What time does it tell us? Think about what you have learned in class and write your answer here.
5:46:11
